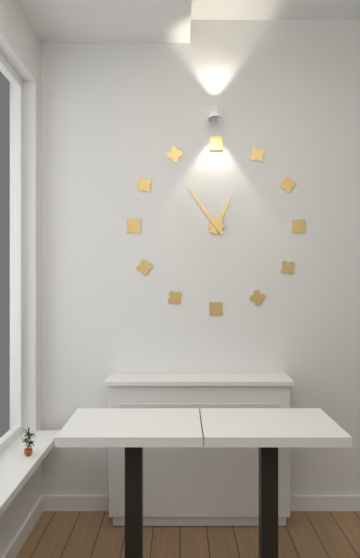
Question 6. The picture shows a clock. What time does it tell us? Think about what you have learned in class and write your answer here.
12:54
